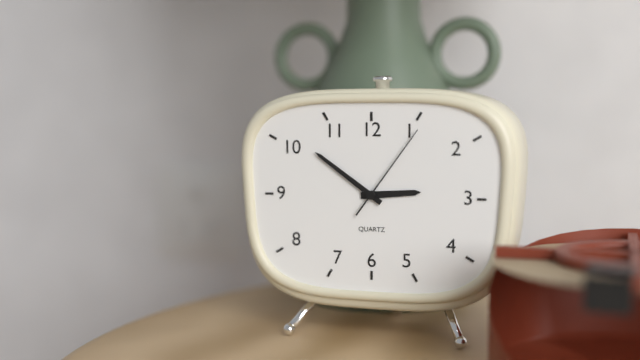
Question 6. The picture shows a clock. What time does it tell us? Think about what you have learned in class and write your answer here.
2:51:06
